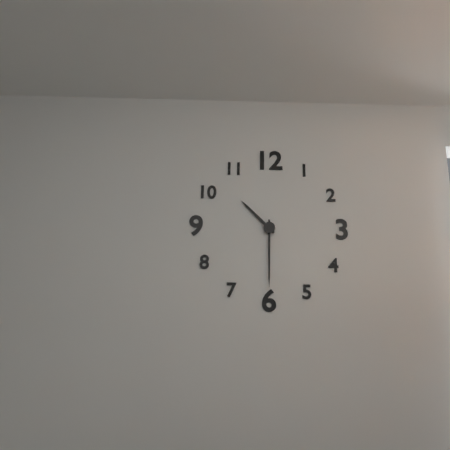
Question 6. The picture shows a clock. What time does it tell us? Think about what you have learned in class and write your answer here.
10:30
